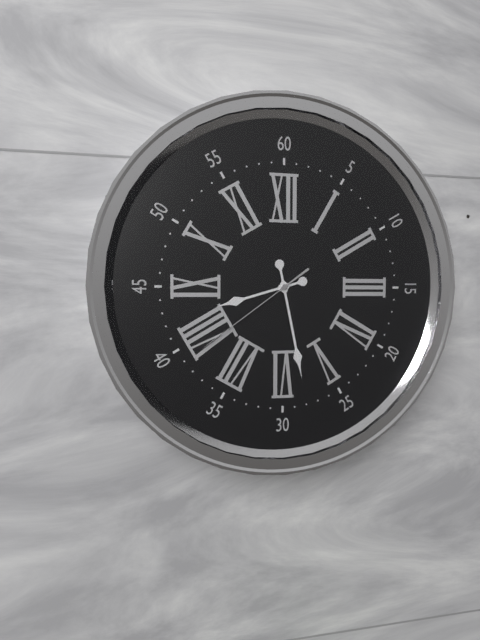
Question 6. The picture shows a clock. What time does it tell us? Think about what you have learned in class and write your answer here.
8:28:39
